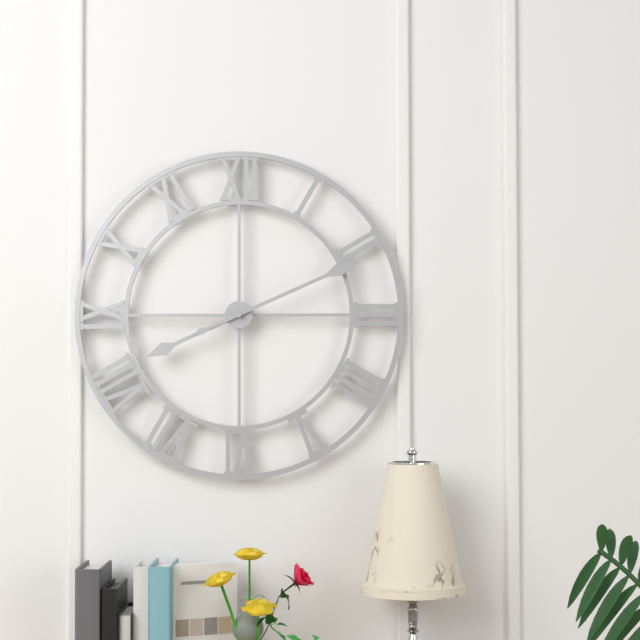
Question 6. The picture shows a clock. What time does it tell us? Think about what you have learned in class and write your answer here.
8:11
